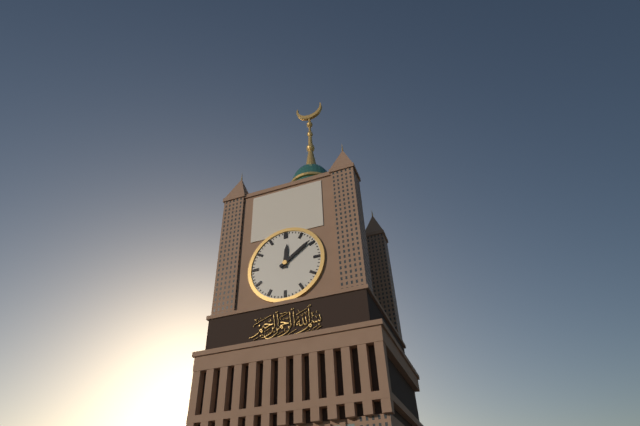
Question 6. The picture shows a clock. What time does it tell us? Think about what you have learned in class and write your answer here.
12:09
